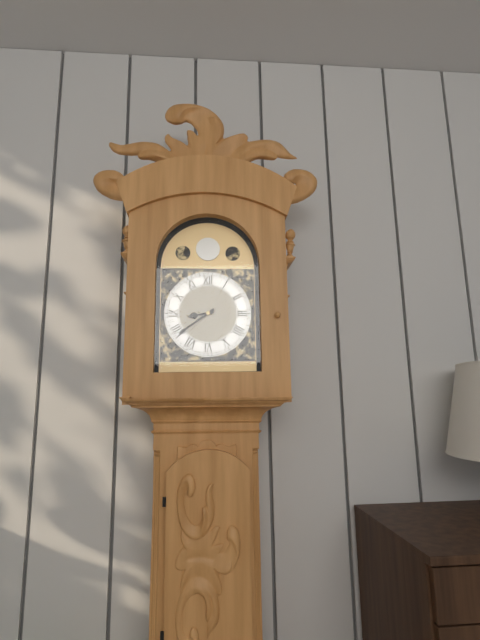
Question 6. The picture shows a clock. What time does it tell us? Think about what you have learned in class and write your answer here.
8:39
